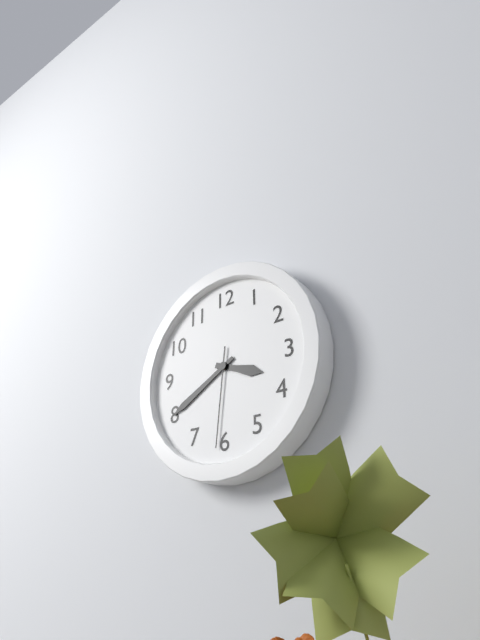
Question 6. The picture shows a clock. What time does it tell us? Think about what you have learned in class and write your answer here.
3:40:31
